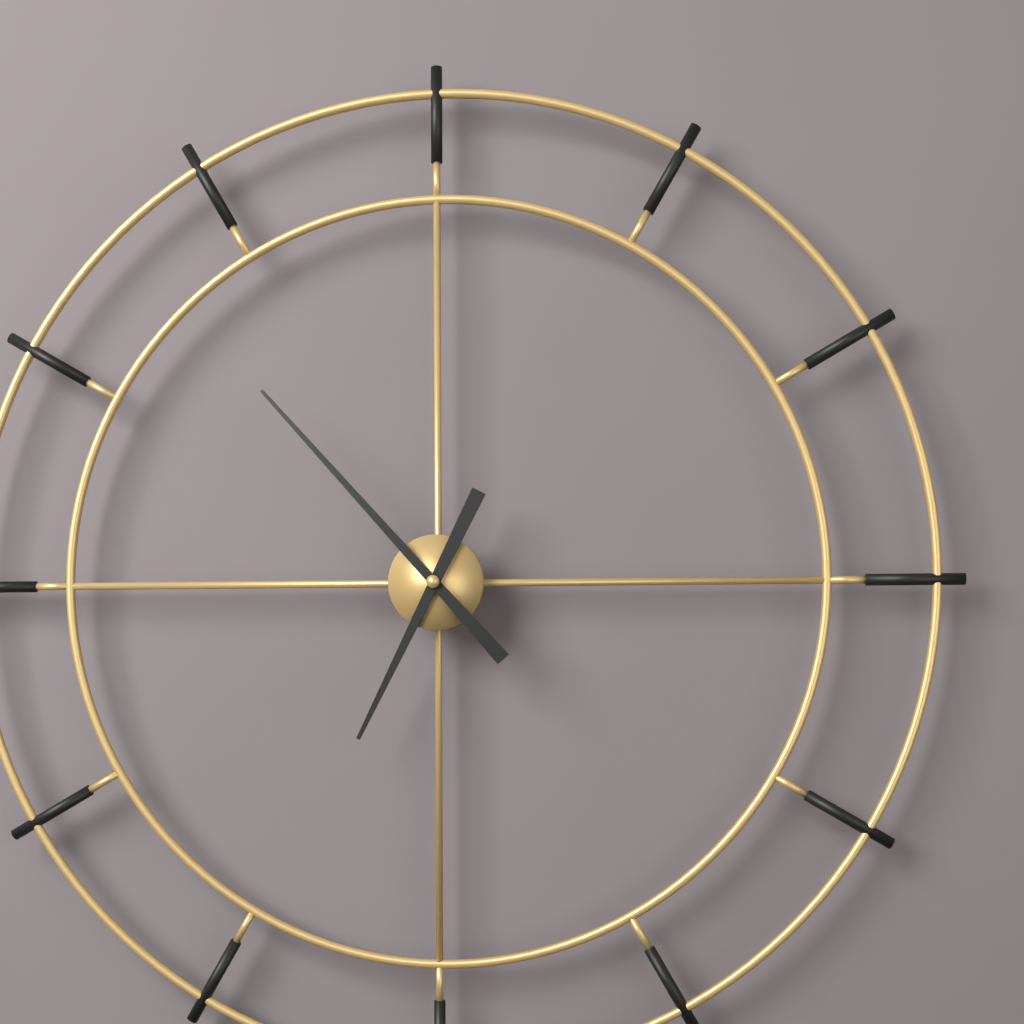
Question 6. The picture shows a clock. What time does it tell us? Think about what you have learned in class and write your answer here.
6:53
